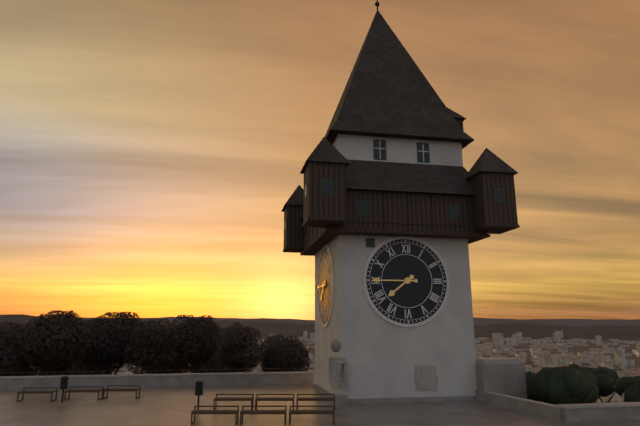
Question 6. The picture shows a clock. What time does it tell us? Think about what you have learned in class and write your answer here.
7:45
